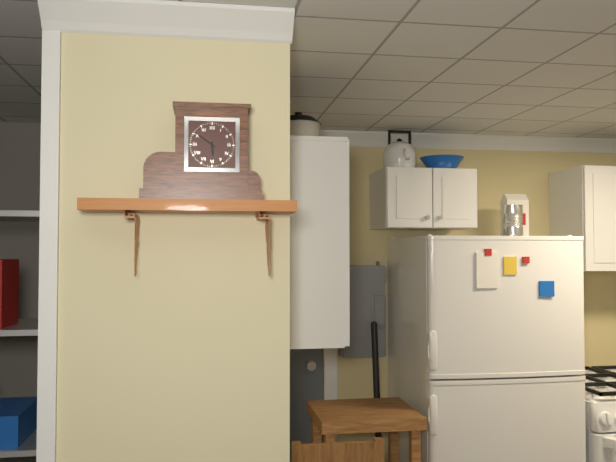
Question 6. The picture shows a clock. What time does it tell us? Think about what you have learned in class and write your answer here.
5:51
